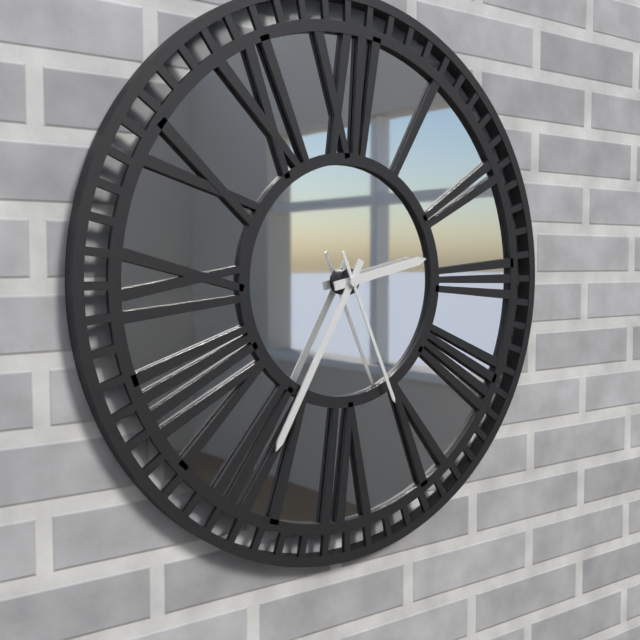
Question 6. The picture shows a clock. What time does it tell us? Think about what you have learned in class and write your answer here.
2:35:26
